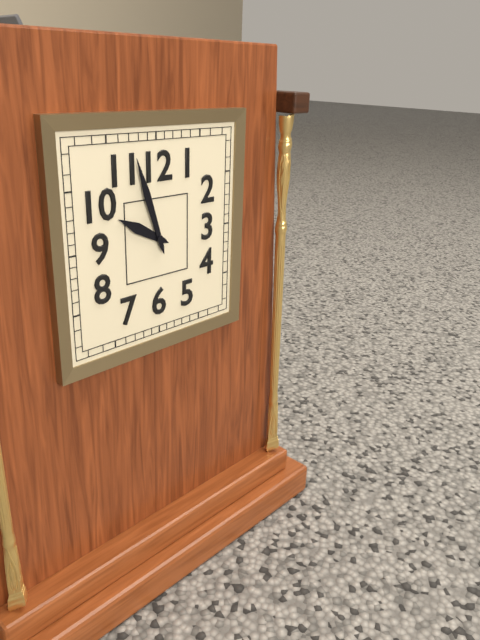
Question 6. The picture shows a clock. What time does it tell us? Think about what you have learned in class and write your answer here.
9:57
